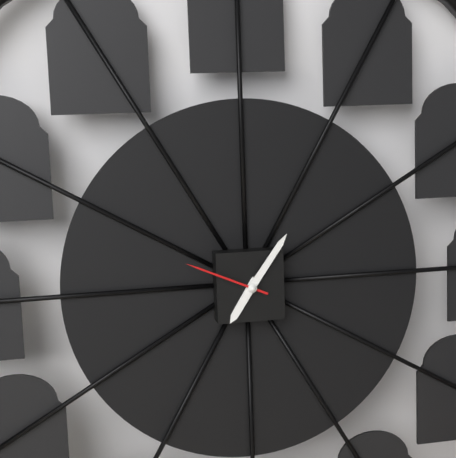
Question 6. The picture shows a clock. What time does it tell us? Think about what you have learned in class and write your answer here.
7:06:49
